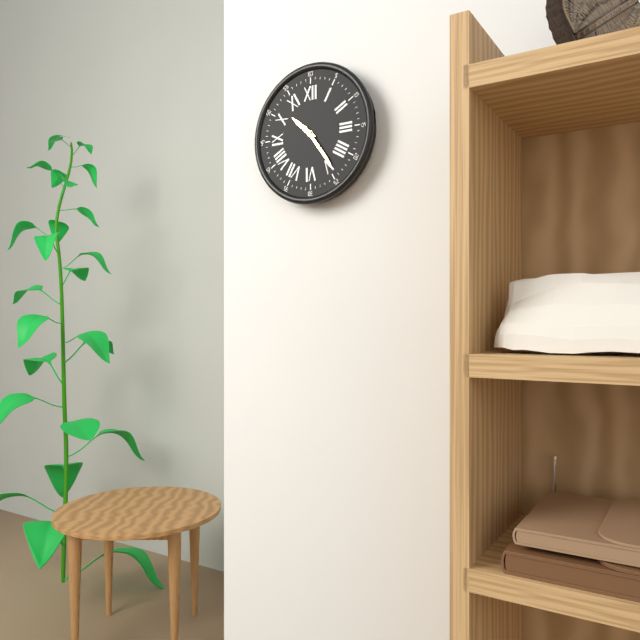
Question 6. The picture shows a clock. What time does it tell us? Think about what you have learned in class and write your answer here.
10:24
